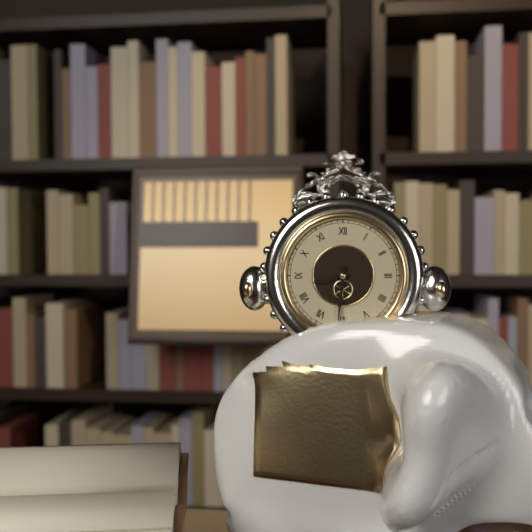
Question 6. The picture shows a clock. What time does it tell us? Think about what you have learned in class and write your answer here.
8:31
